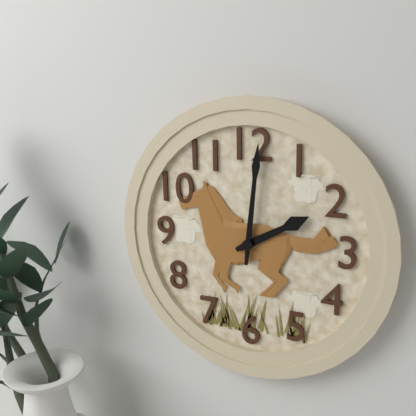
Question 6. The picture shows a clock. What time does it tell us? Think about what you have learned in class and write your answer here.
2:01
